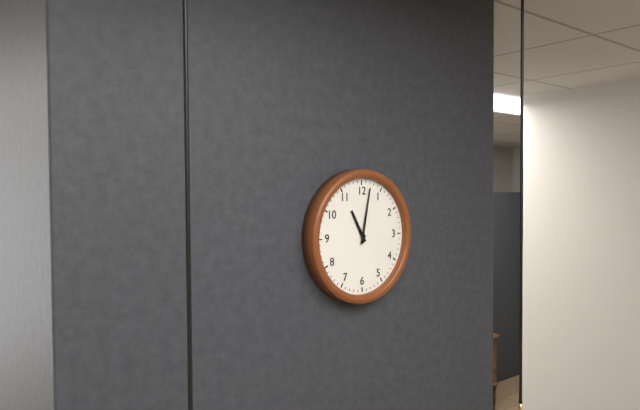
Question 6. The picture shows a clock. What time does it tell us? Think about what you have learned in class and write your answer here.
11:02
